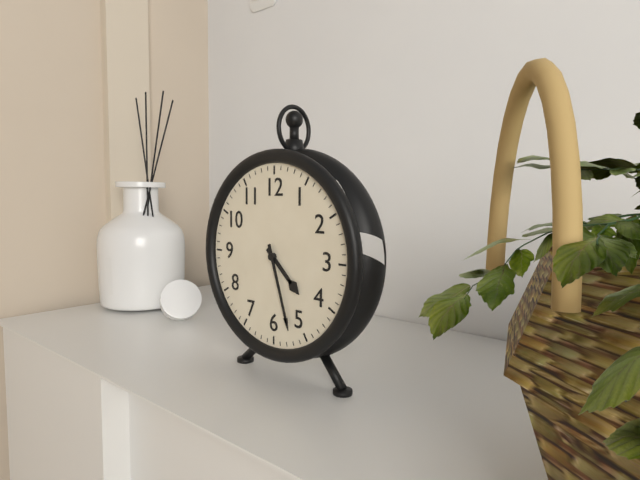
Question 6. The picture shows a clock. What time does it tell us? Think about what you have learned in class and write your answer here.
4:27
